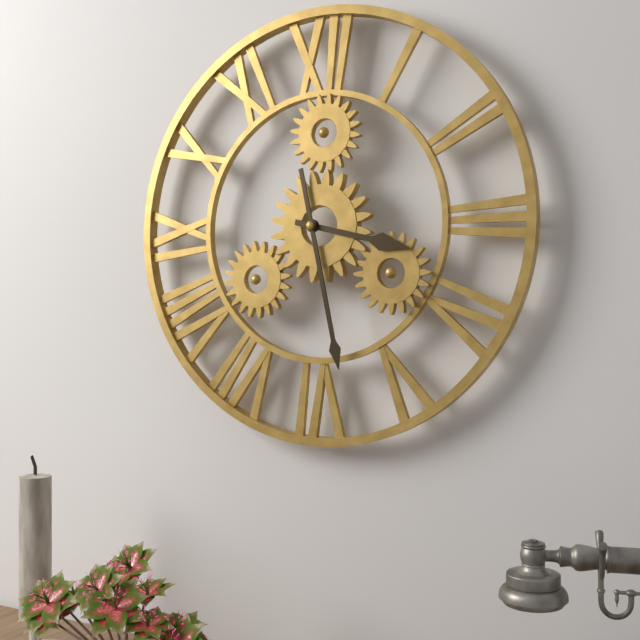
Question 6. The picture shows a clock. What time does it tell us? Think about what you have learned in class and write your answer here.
3:28
